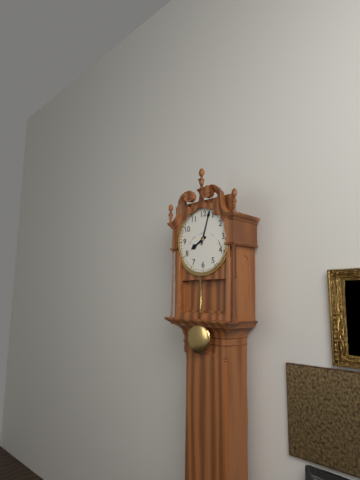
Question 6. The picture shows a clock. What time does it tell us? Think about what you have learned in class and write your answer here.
8:03
